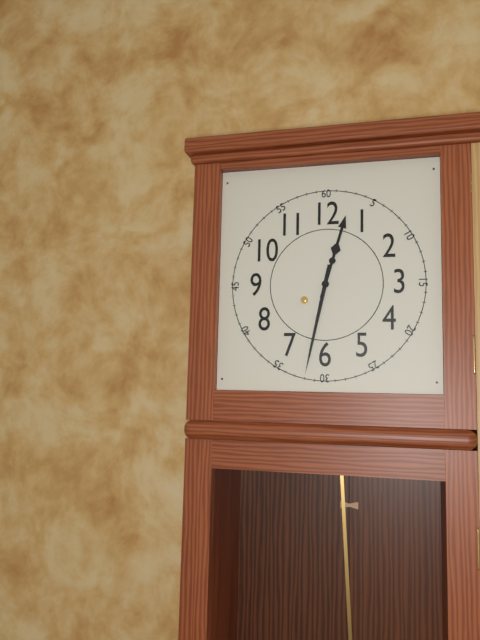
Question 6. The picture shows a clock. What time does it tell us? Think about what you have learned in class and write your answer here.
12:32
